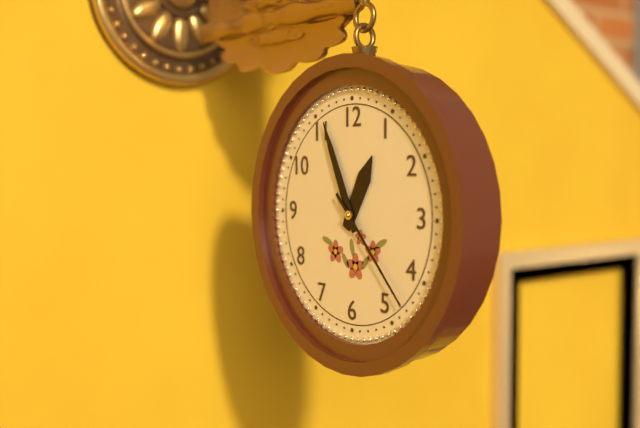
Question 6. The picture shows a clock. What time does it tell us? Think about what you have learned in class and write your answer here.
12:56:23
